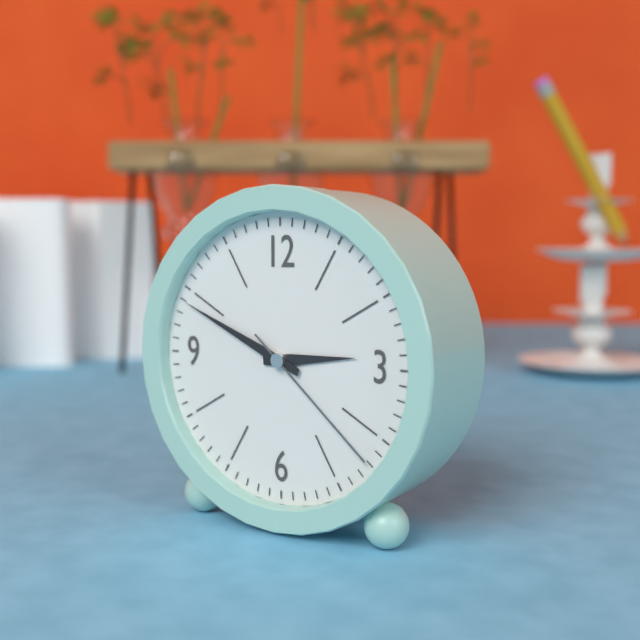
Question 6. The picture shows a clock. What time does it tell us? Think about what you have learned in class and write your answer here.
2:49:22
